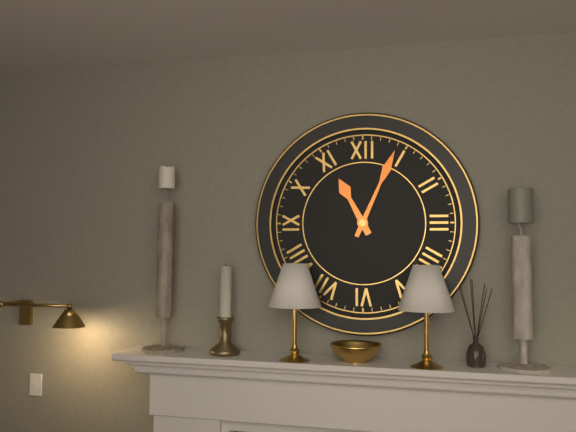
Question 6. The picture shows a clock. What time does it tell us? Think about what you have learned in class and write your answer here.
11:04
